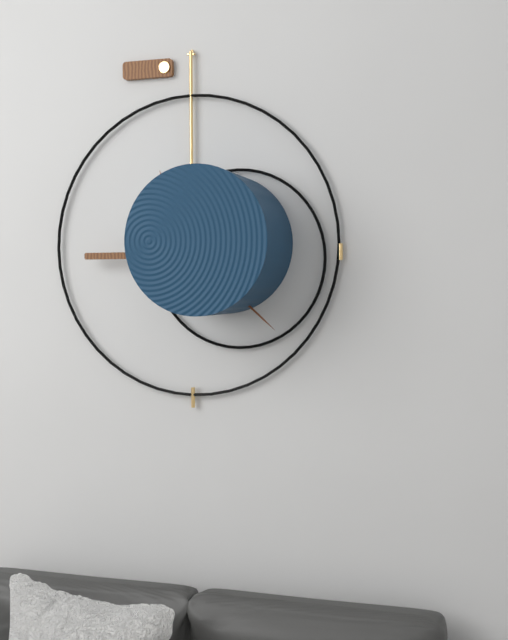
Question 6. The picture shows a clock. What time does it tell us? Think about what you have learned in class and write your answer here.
11:22
